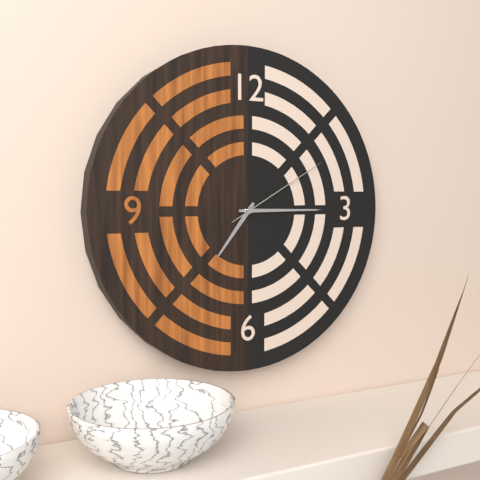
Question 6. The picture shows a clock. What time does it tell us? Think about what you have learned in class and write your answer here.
7:15:10
